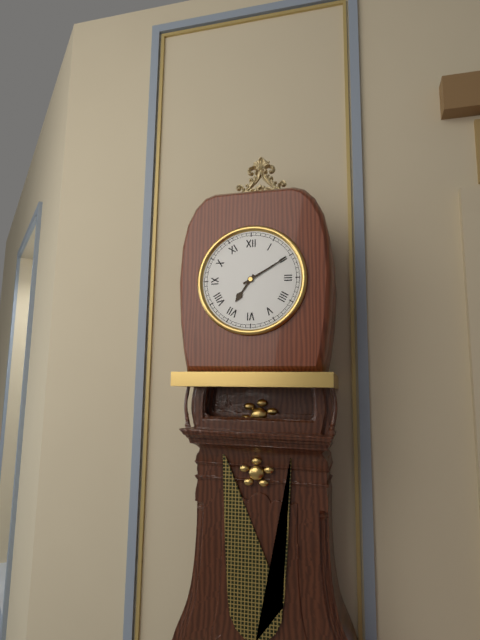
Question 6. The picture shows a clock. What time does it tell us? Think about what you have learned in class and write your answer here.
7:10
